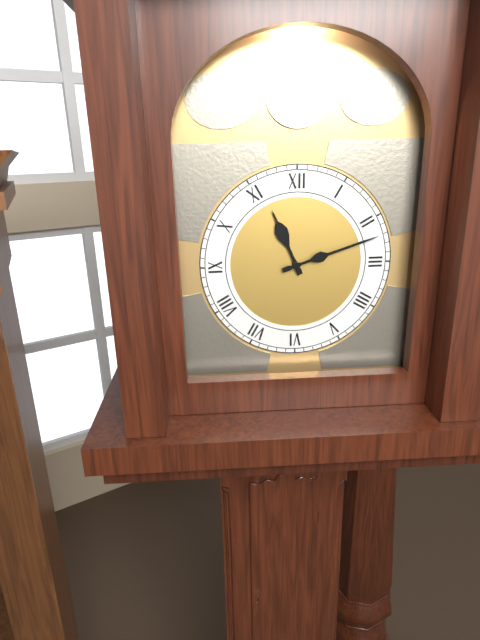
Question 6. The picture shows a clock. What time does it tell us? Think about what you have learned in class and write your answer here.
11:12
